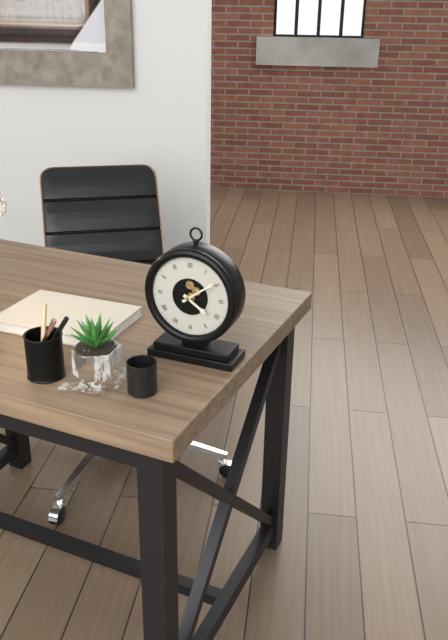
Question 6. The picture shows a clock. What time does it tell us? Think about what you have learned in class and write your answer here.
4:09
